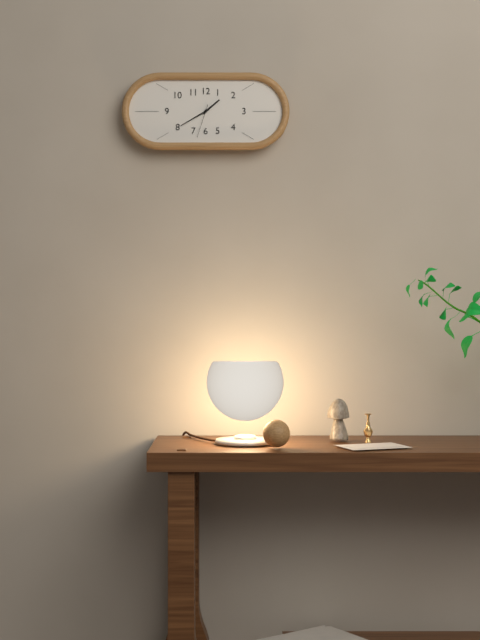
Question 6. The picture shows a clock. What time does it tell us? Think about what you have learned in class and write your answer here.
1:40
